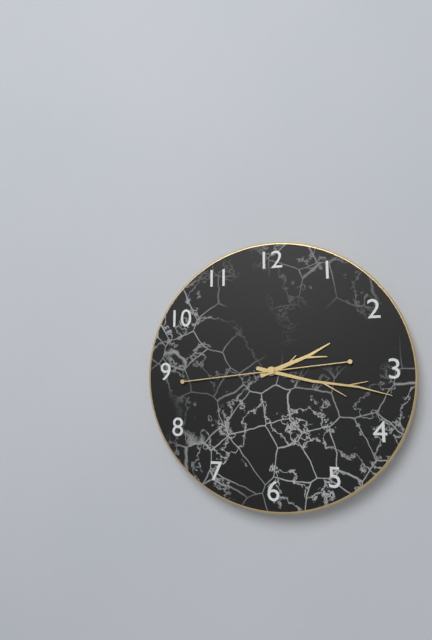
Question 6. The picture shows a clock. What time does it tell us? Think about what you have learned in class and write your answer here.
2:17:44
